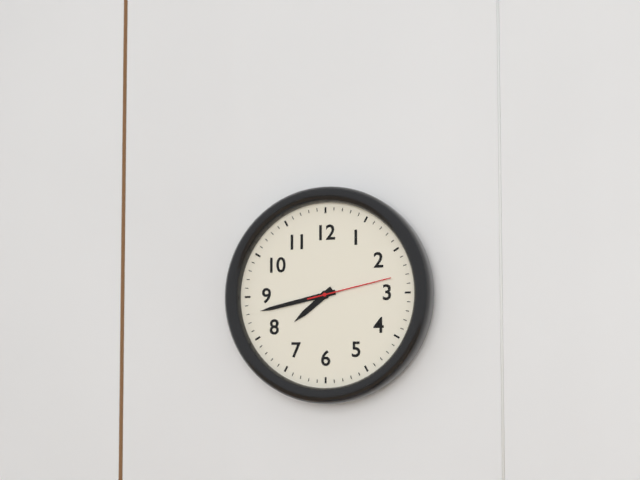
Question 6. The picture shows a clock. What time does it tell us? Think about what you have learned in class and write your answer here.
7:43:13
